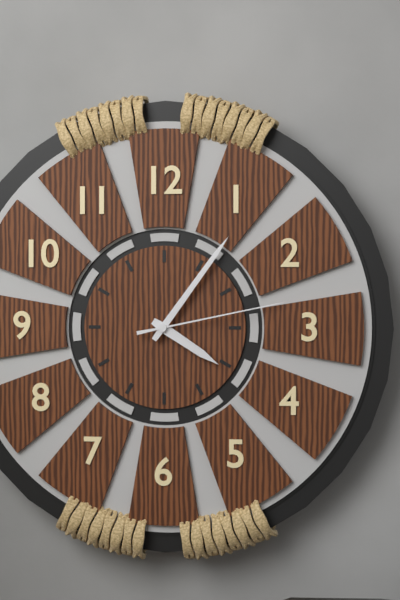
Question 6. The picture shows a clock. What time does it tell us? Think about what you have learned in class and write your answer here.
4:06:13
